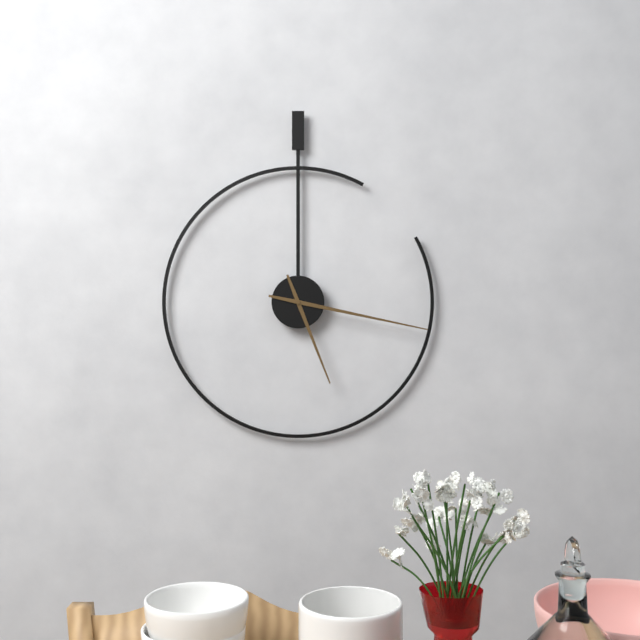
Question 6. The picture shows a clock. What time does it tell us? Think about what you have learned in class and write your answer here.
5:17
